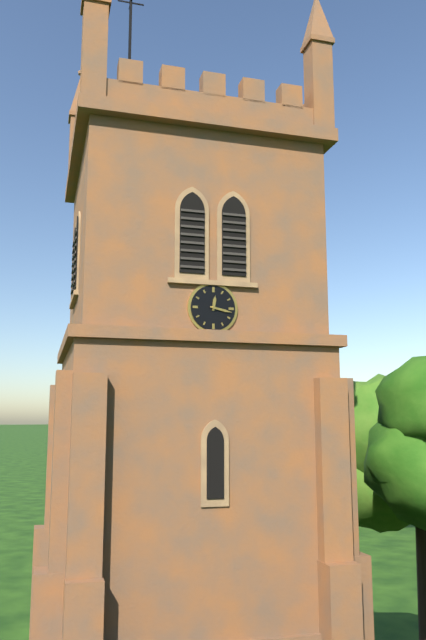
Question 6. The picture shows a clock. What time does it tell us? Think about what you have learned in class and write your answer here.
12:17
